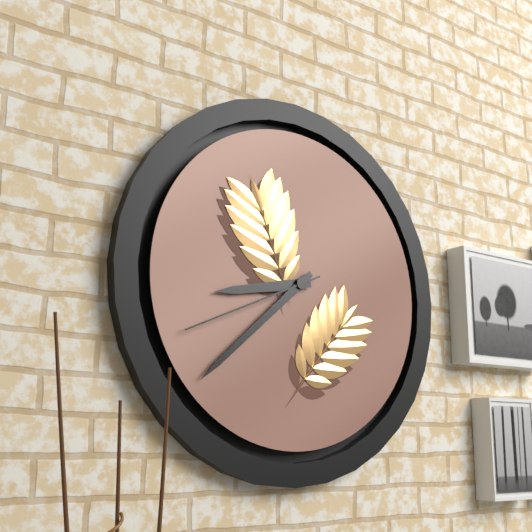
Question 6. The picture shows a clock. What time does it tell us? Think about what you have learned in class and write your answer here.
8:38:41
